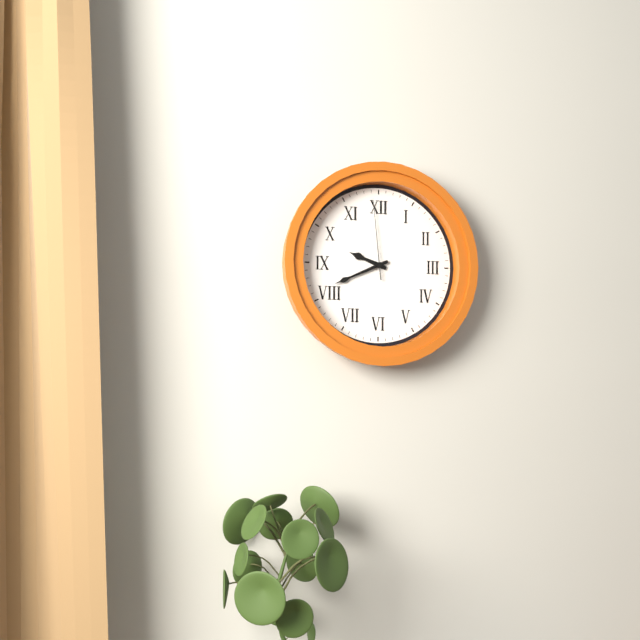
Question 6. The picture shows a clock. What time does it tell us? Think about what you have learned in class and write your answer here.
9:41:59
